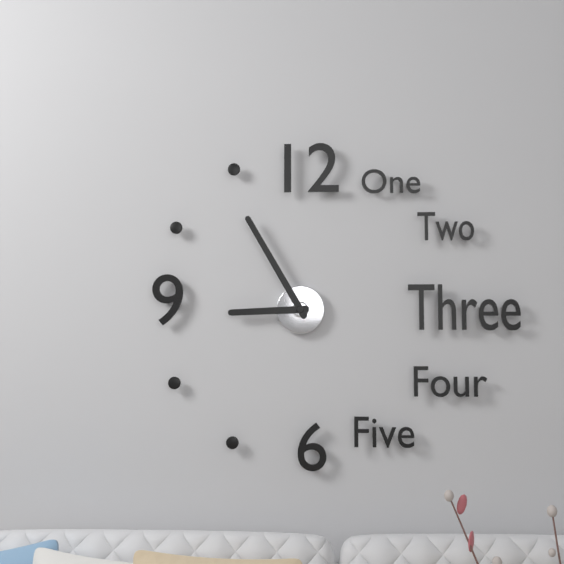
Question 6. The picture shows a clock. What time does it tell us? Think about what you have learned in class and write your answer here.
8:55
